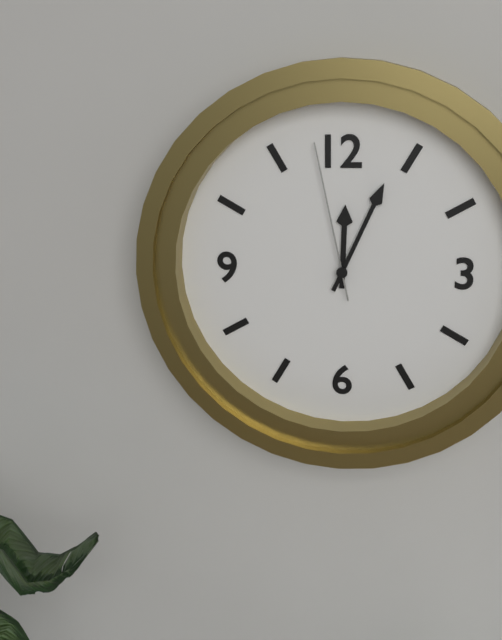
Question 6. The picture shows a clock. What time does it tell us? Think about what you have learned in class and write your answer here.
12:04:58
